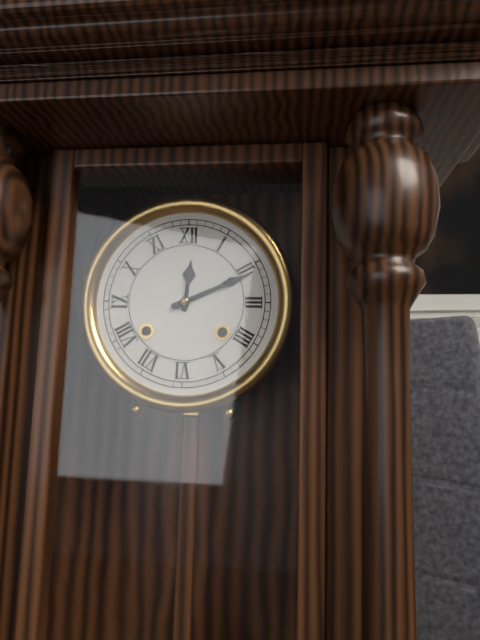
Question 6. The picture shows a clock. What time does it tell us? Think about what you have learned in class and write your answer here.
12:11
